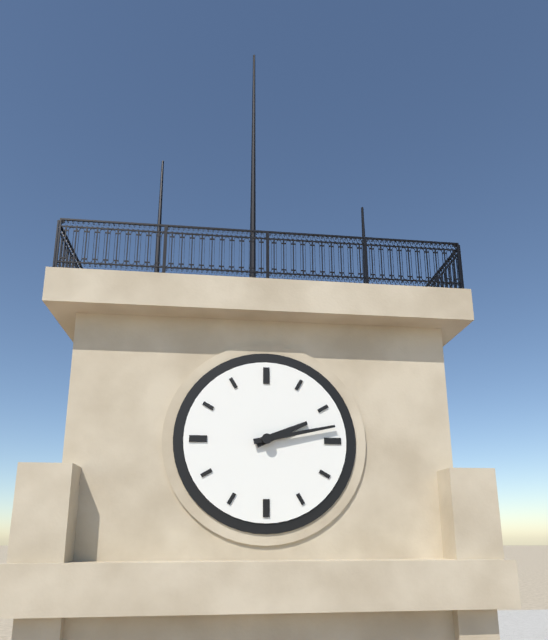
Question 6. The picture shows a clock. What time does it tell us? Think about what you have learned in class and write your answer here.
2:13
